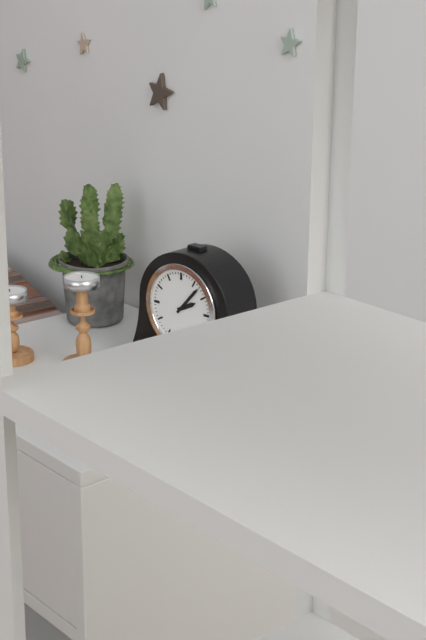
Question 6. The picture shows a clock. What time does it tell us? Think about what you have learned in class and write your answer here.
2:07
